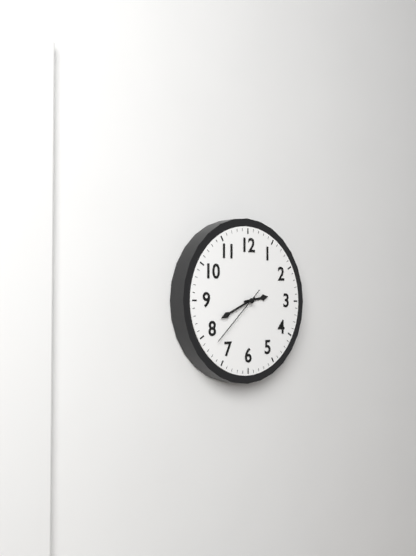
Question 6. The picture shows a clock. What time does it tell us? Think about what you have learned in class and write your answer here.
2:41:38
